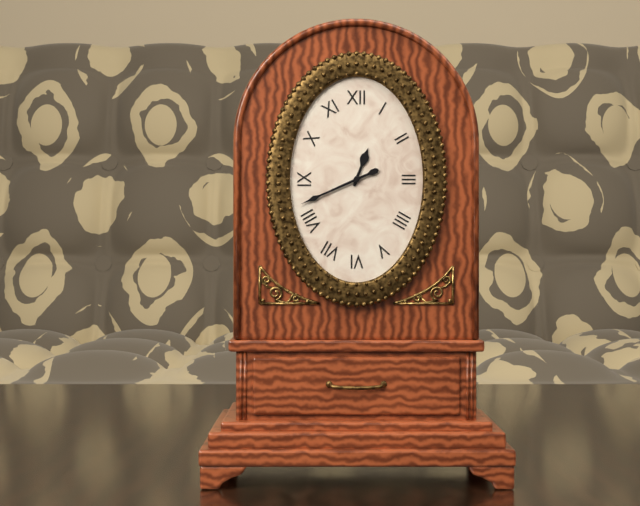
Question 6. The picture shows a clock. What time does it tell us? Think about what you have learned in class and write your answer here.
12:41
